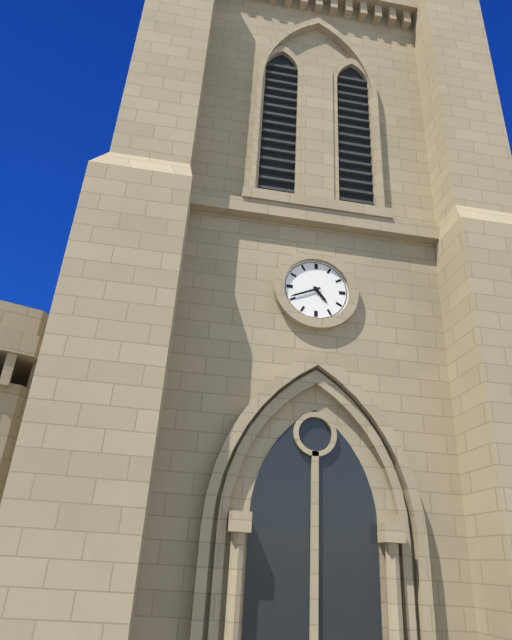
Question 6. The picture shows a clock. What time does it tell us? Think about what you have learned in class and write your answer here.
4:41
